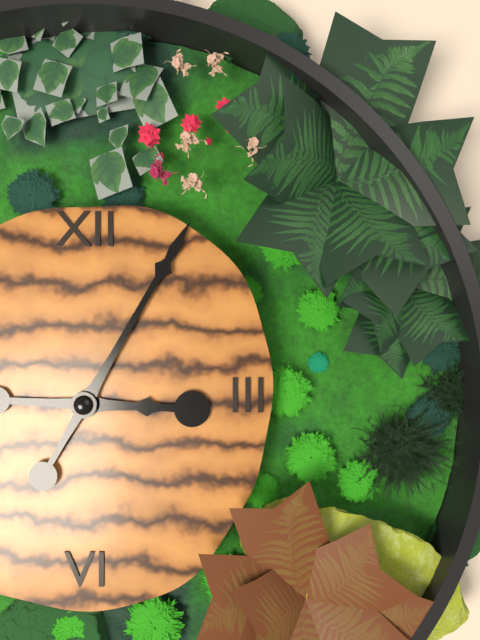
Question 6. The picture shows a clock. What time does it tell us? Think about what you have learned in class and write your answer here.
3:05
